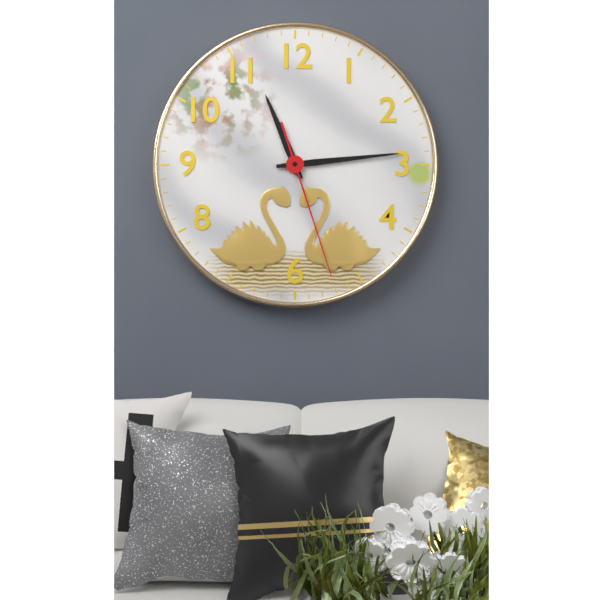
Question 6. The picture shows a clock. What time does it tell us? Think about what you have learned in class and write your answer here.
11:14:27
